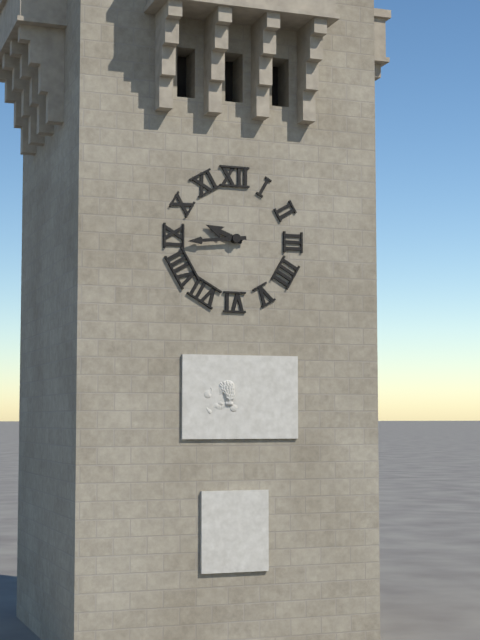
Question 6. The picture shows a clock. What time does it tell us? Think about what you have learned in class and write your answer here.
9:44
